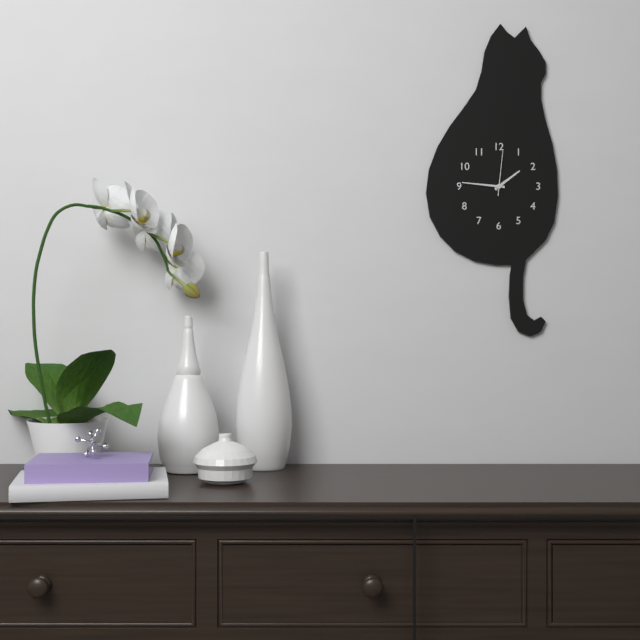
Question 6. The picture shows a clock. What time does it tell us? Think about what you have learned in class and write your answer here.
1:46
